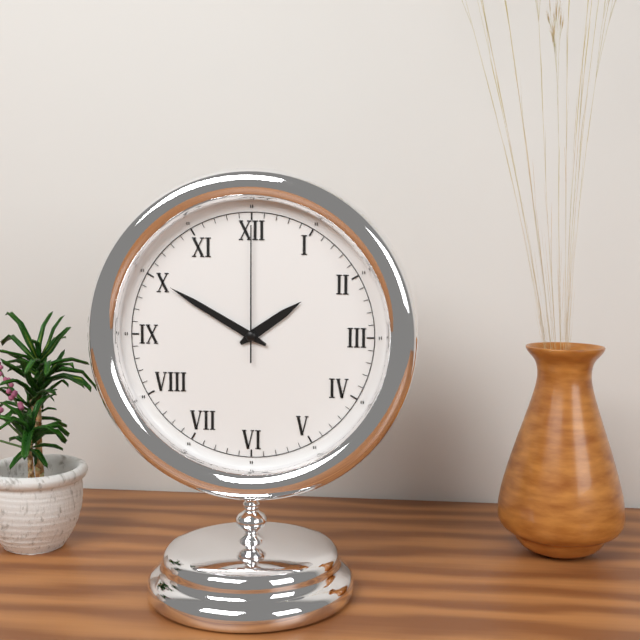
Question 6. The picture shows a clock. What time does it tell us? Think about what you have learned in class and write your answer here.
1:50:00
